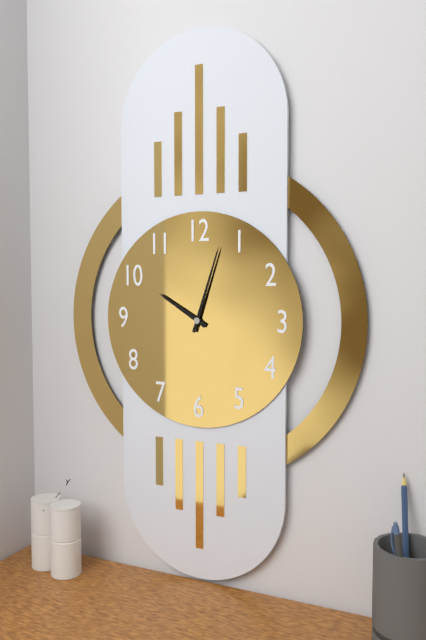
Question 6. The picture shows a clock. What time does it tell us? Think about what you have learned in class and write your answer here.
10:03
